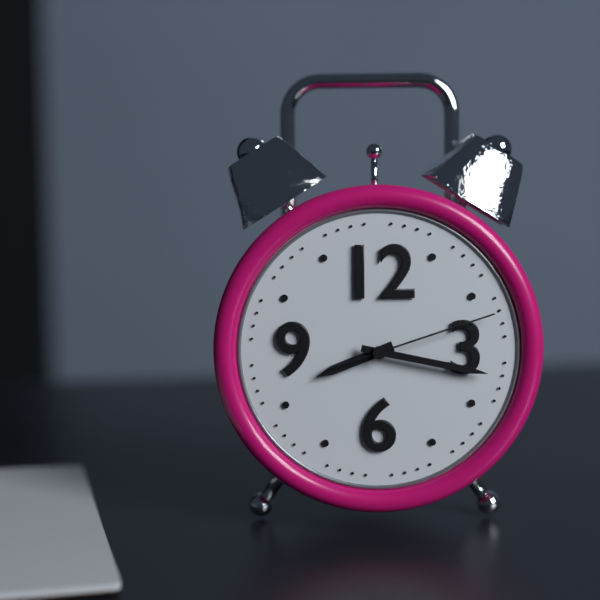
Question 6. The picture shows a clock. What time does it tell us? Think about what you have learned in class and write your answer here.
8:17:12
